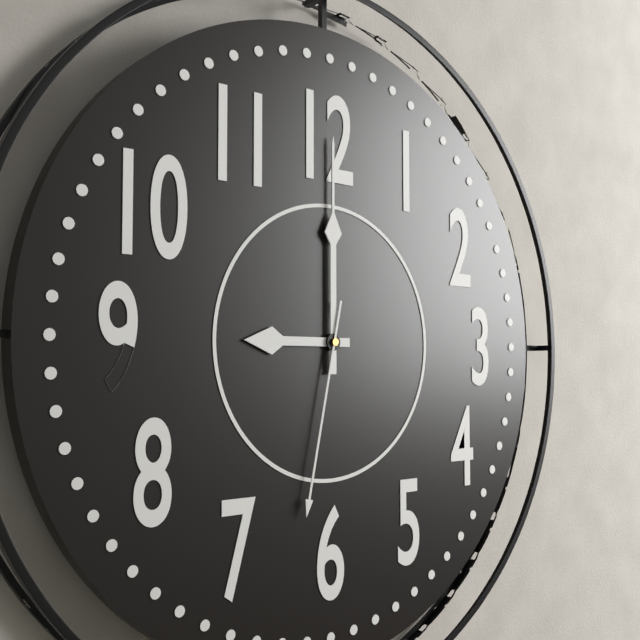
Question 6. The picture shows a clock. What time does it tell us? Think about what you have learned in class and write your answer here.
9:00:32
